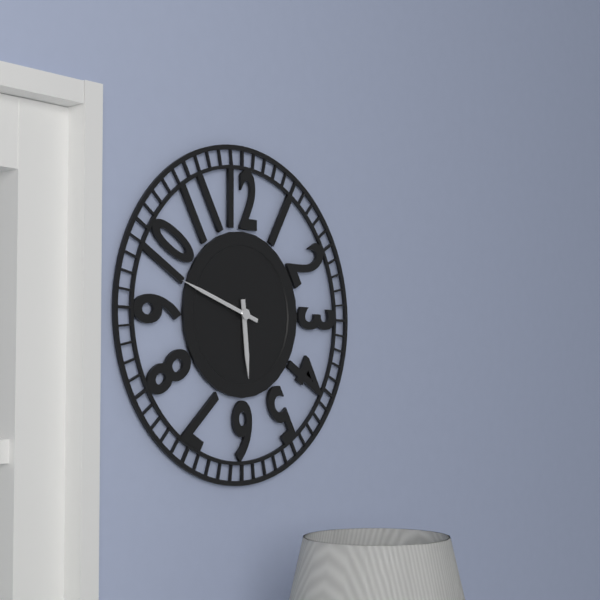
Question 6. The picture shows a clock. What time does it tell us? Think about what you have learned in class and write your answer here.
5:48
